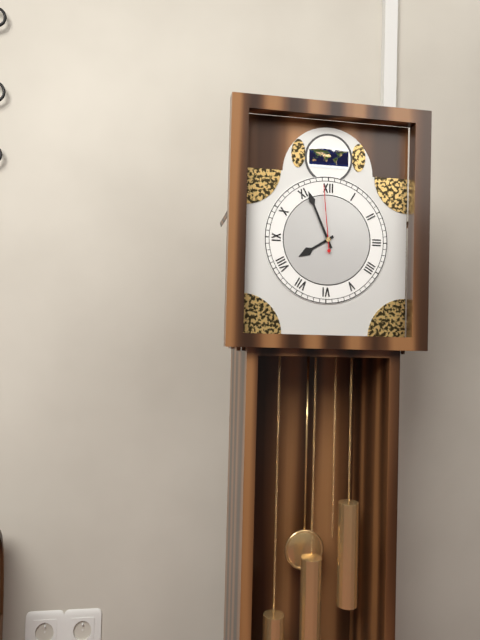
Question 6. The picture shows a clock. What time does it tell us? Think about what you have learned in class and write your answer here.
7:56:59
